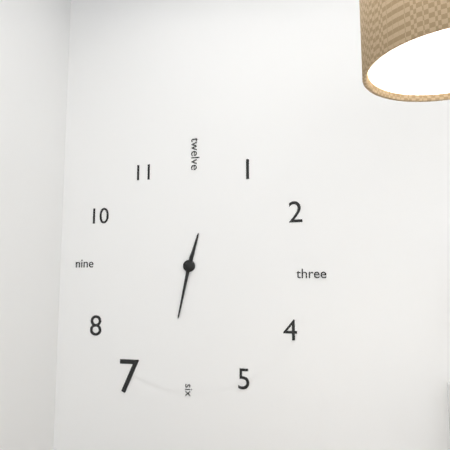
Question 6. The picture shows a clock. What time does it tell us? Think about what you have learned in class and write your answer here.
12:32
